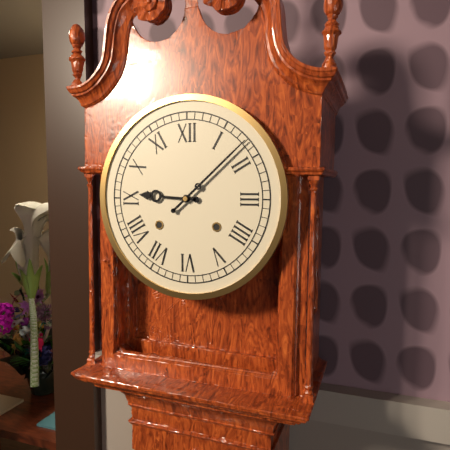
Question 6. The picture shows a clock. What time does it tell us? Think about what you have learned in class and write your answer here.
9:08
